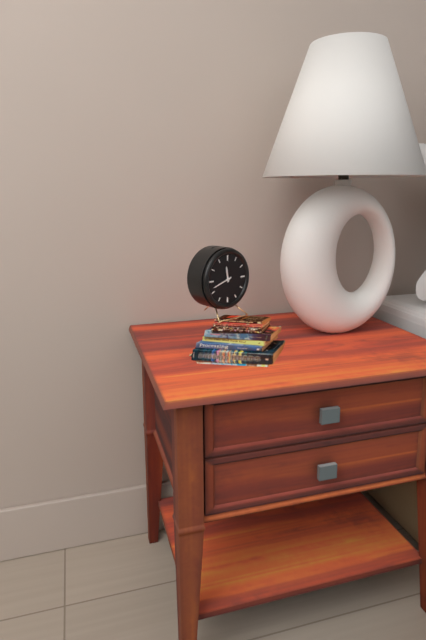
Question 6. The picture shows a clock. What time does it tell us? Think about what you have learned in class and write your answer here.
11:42
